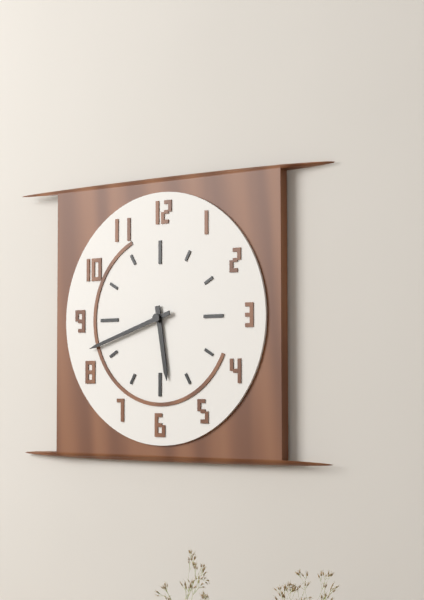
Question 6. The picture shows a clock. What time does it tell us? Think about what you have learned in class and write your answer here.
5:42
